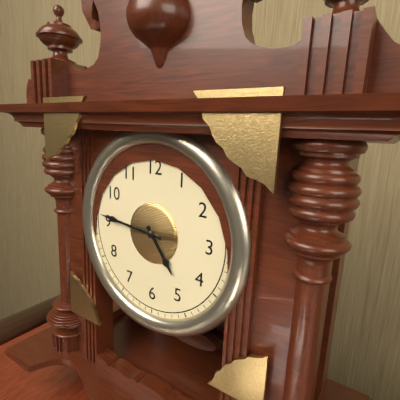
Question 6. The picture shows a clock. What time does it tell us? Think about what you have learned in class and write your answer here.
4:46
